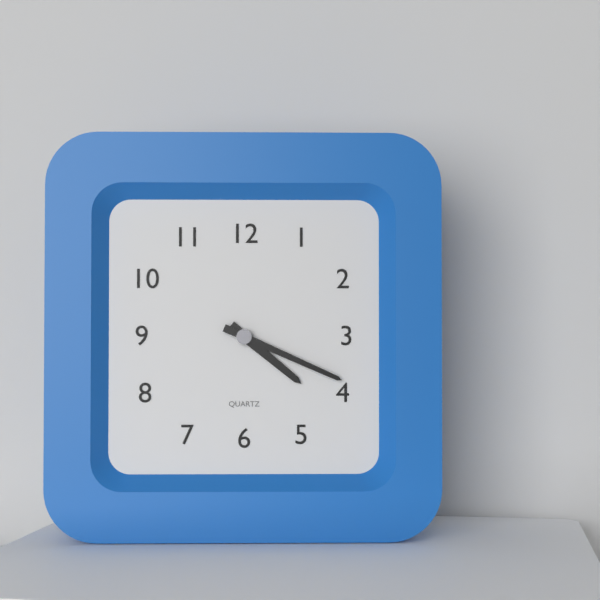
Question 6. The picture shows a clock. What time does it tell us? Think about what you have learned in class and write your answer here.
4:19
